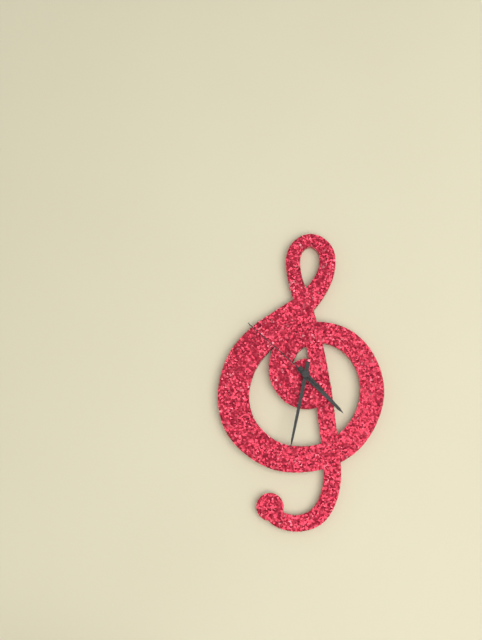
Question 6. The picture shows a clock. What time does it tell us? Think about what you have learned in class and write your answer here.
4:32:52
